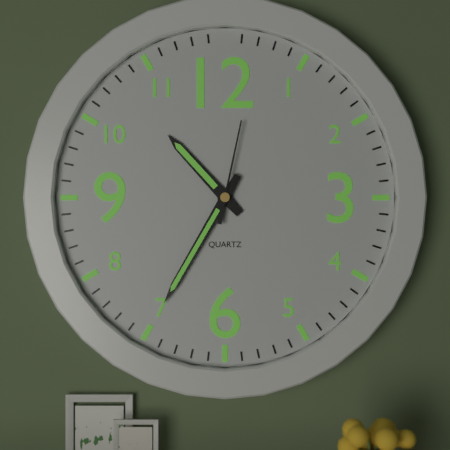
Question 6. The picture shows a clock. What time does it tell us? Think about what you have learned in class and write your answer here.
10:35:02
